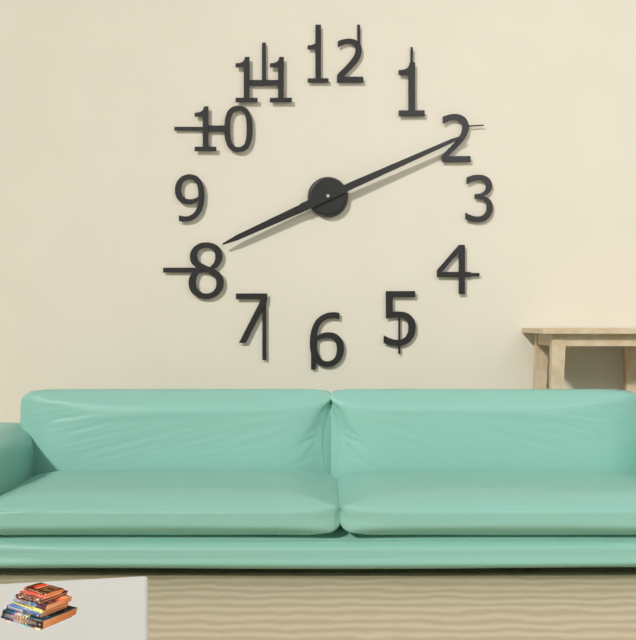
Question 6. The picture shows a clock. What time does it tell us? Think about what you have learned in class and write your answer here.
8:11
